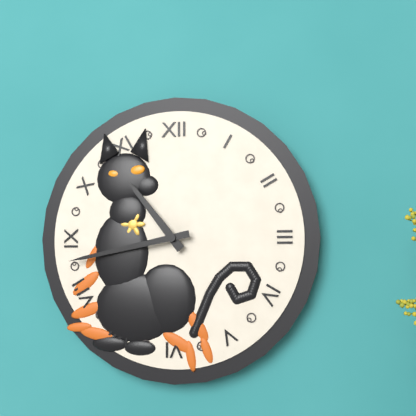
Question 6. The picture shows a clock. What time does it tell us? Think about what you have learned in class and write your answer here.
10:43
